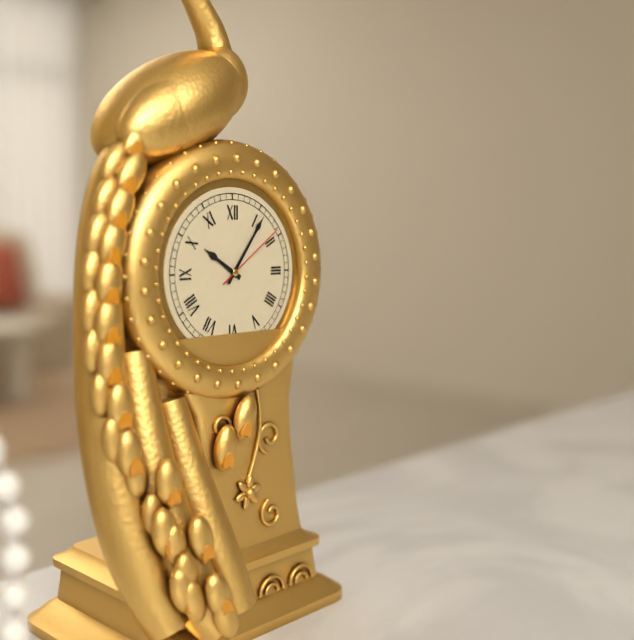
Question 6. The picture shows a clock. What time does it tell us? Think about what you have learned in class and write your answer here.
10:06:09
